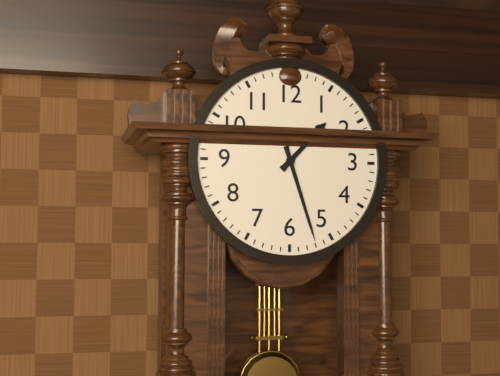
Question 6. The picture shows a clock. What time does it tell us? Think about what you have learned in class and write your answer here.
1:27
